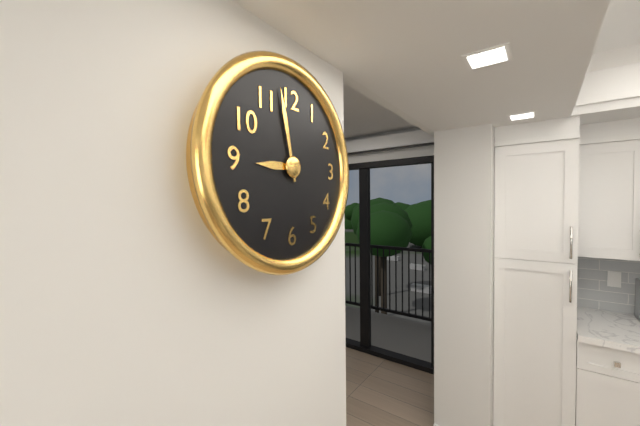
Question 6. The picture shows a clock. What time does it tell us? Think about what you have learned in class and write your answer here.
8:58
